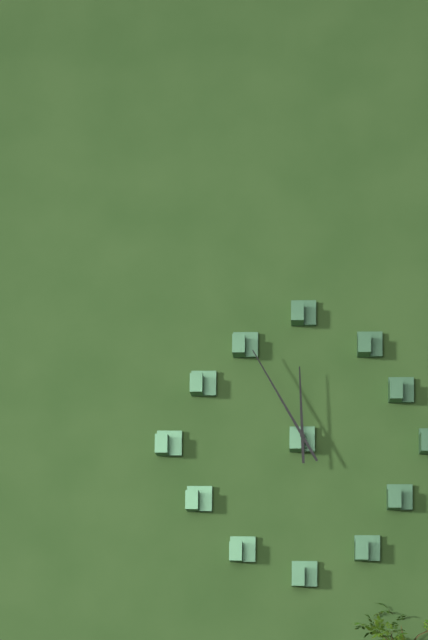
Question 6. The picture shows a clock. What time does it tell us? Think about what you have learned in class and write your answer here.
11:55
